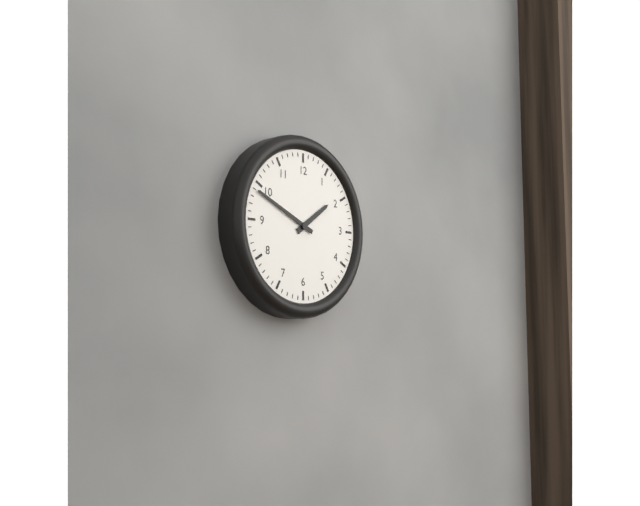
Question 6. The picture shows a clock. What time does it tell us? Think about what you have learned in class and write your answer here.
1:49
